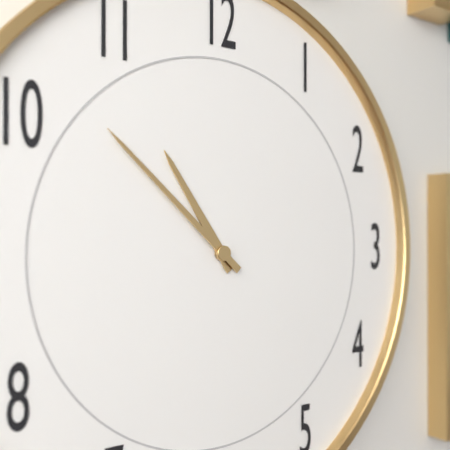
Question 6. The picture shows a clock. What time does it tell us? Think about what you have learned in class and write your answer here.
10:52
